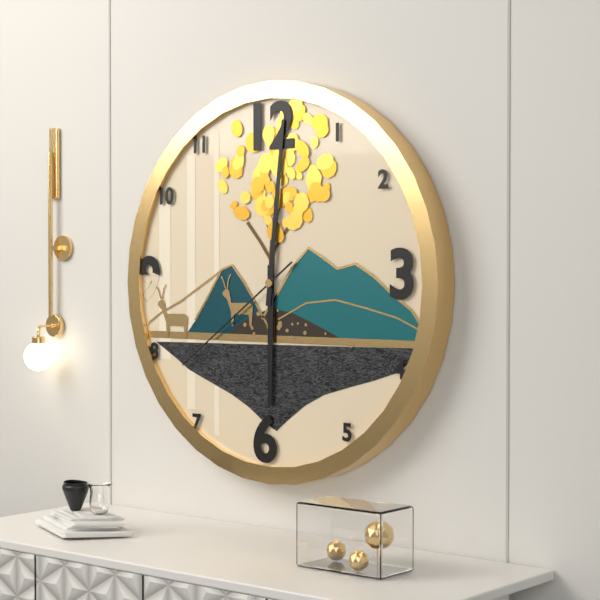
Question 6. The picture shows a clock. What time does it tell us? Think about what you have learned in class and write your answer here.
6:01:39
